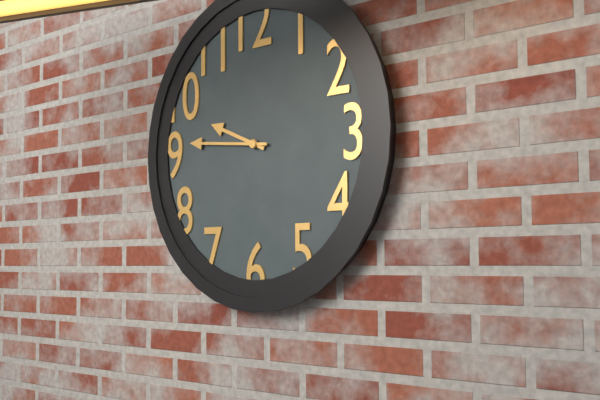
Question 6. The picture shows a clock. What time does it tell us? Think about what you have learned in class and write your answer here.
9:46
